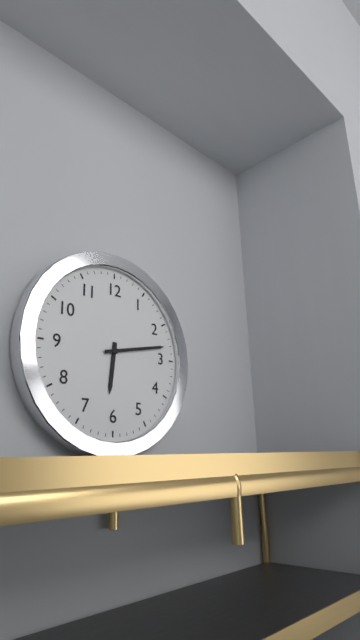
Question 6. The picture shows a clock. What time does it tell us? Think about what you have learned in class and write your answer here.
6:13
